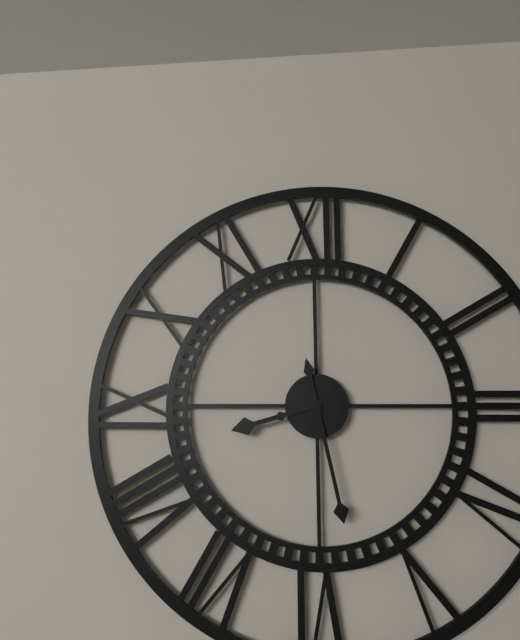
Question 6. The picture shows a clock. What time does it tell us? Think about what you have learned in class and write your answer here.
8:28
